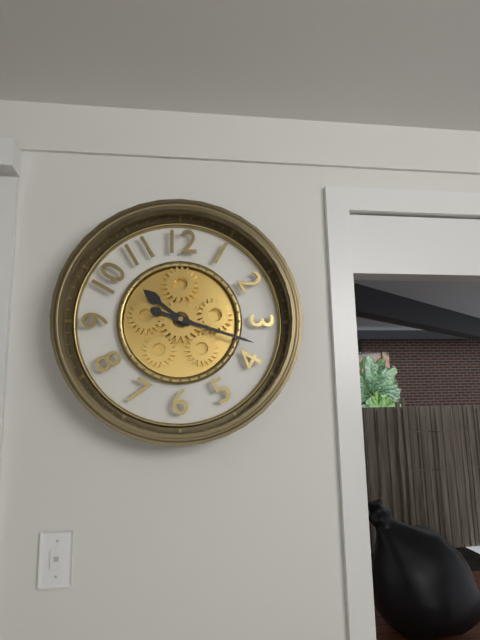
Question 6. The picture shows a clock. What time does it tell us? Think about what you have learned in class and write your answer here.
10:18
